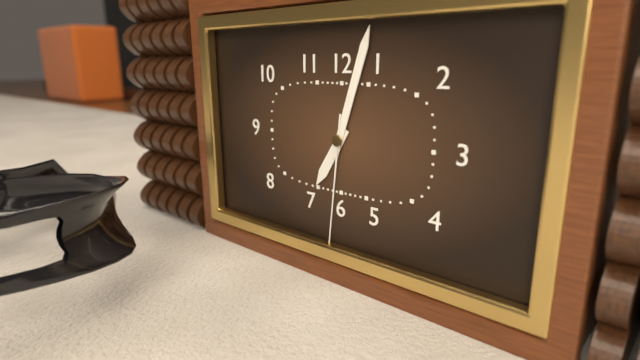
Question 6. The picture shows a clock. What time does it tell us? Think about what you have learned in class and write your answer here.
7:03:31
